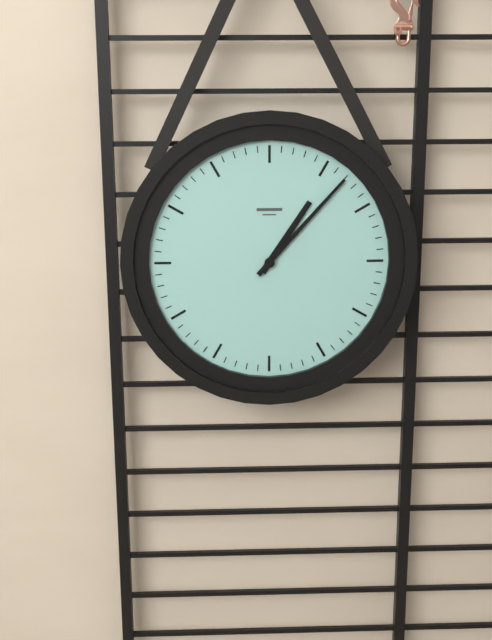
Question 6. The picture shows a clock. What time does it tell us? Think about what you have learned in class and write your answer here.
1:07
